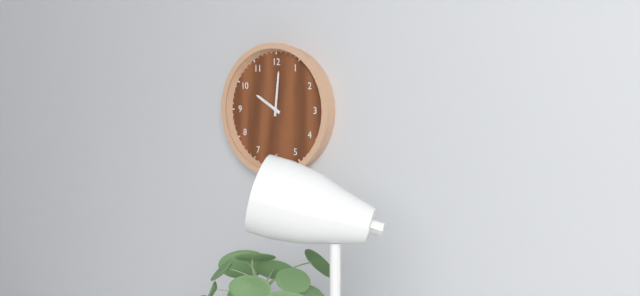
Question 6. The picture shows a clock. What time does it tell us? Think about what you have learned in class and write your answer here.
10:01
